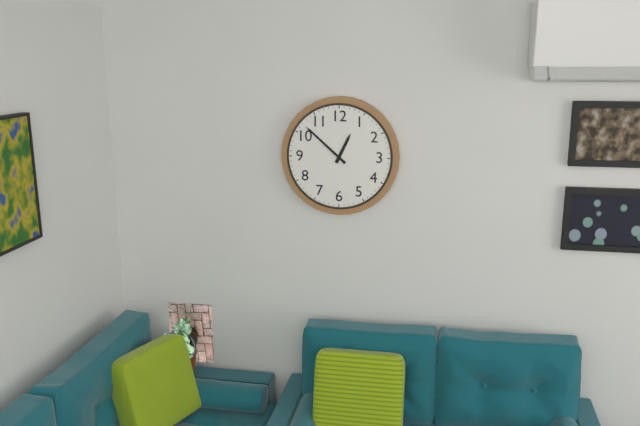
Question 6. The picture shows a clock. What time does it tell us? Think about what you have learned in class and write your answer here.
12:52
